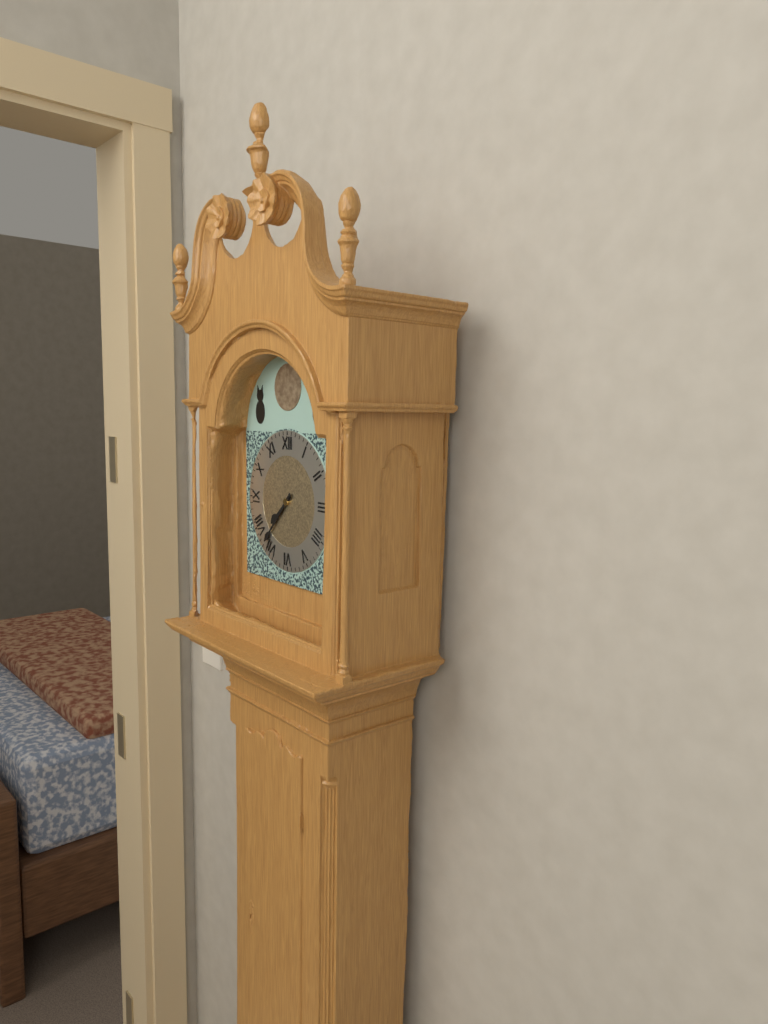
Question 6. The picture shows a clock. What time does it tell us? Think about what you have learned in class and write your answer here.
7:37
